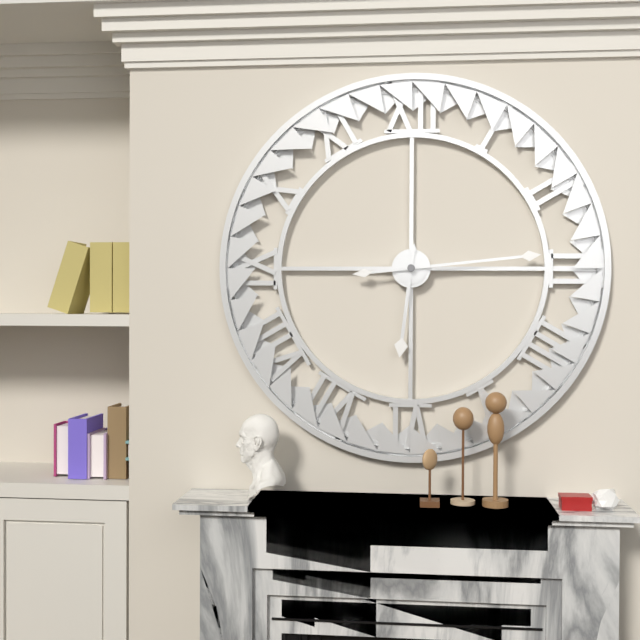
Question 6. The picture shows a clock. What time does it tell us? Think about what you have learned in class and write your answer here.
6:14
